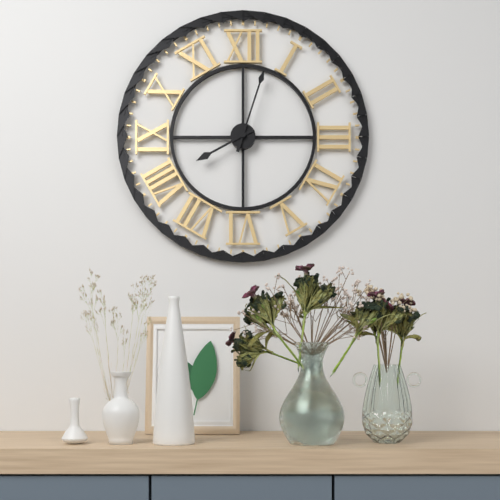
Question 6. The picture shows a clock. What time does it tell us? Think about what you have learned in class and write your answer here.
8:03
